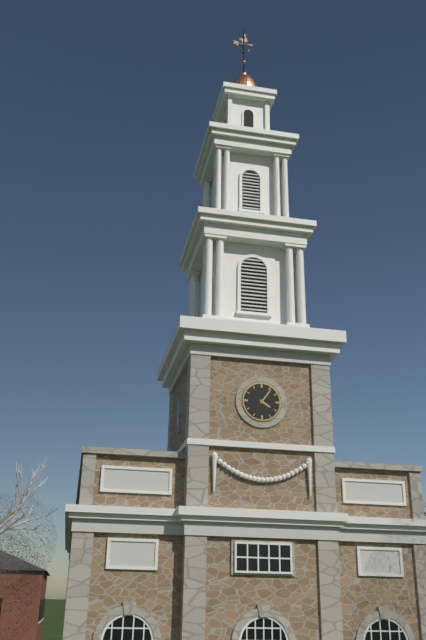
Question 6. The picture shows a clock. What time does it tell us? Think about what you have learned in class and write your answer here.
4:06
